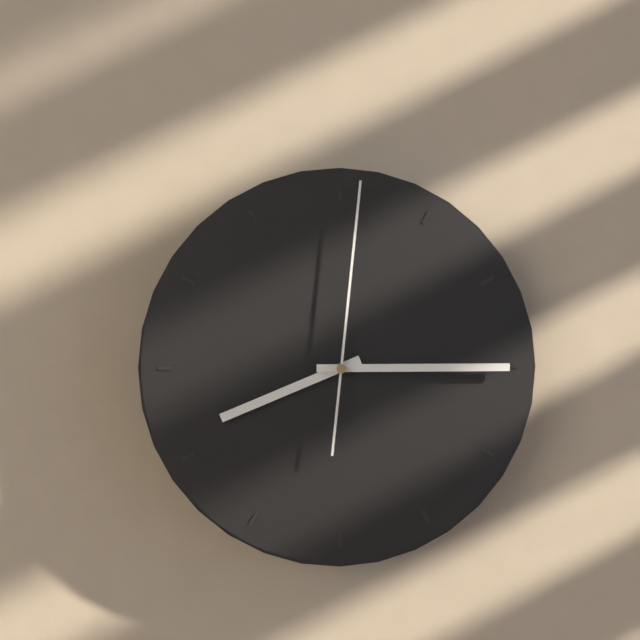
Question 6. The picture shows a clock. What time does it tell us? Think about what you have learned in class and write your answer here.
8:15:01
